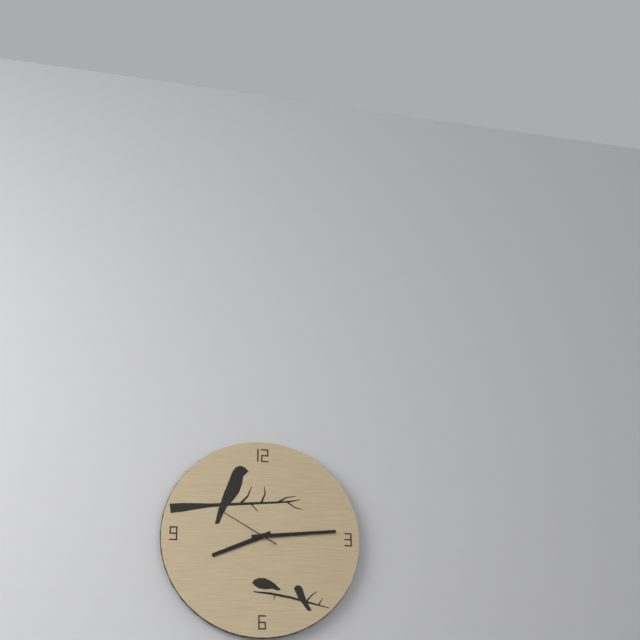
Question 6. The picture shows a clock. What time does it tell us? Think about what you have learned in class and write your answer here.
8:14:50
